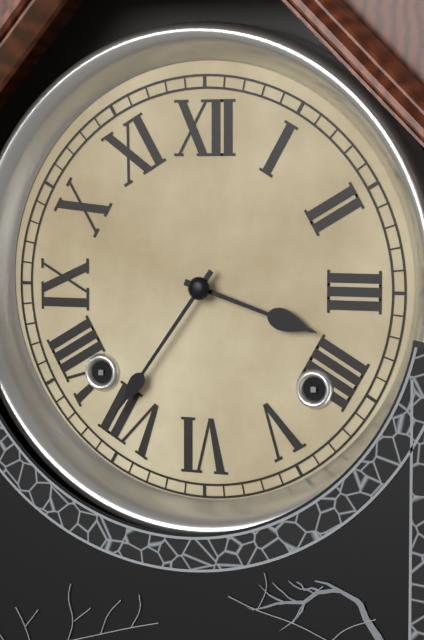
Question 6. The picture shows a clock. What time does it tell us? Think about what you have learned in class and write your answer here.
3:36
